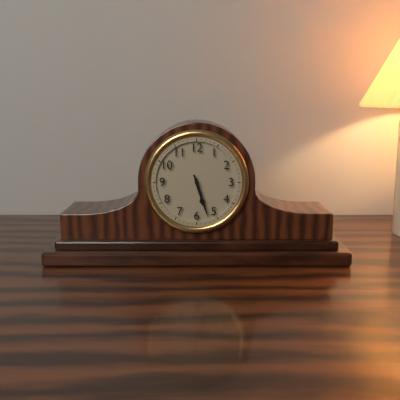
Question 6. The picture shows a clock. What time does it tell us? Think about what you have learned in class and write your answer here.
5:27
